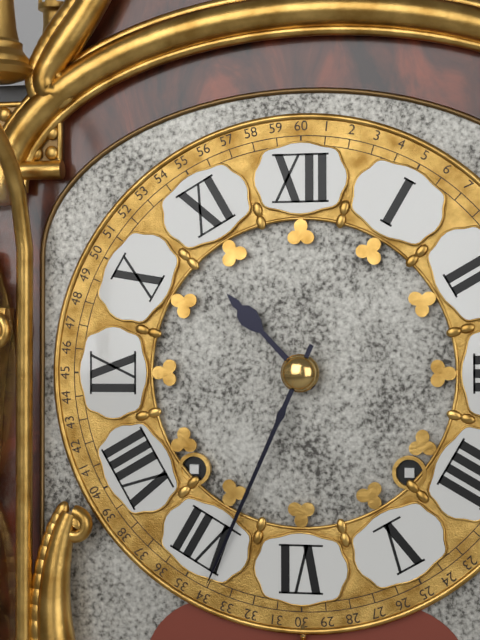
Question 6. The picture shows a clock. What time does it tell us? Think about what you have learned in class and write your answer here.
10:34
